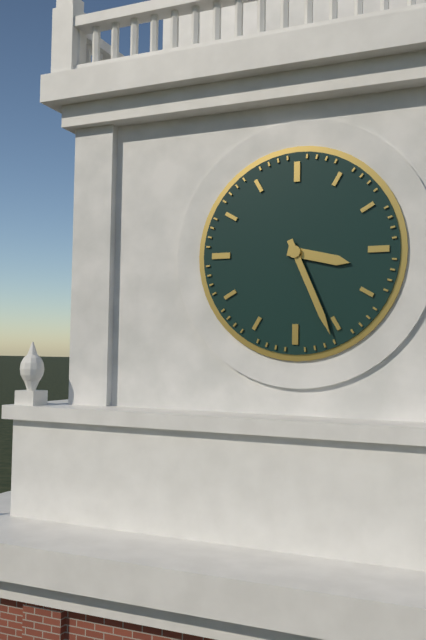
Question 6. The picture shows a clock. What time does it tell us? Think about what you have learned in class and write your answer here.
3:26
